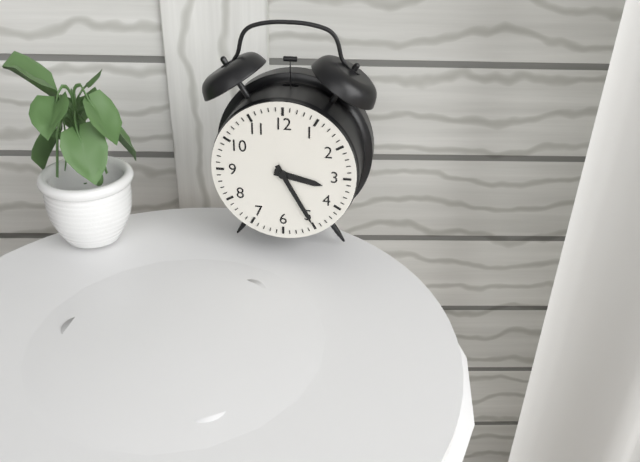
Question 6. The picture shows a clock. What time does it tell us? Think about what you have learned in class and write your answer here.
3:25
